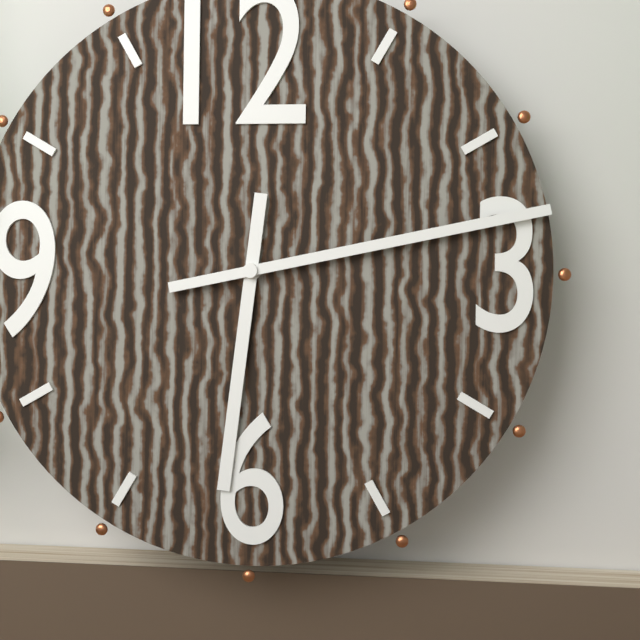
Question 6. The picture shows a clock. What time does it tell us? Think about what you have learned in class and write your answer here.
6:13
